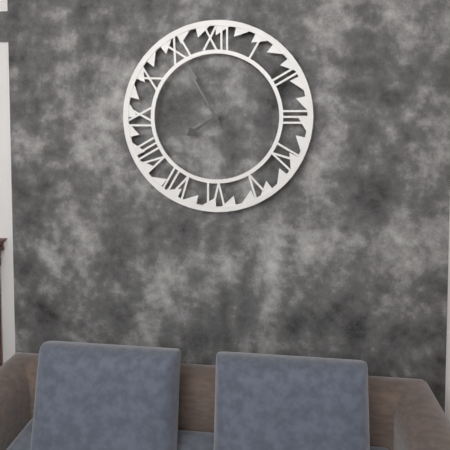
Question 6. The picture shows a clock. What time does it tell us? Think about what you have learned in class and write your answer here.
7:55
